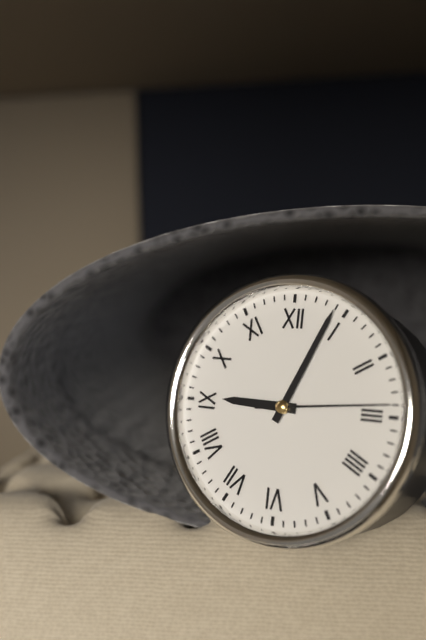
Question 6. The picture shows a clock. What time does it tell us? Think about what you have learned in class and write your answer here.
9:04:14
